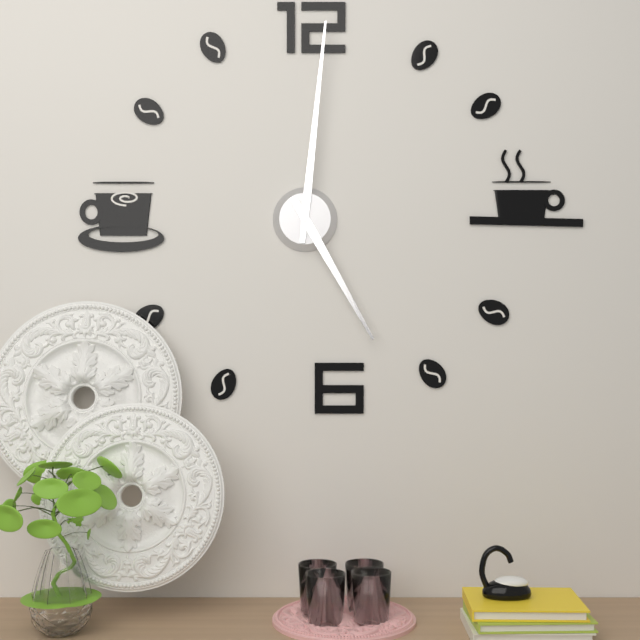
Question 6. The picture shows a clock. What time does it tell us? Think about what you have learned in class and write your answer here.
5:01
